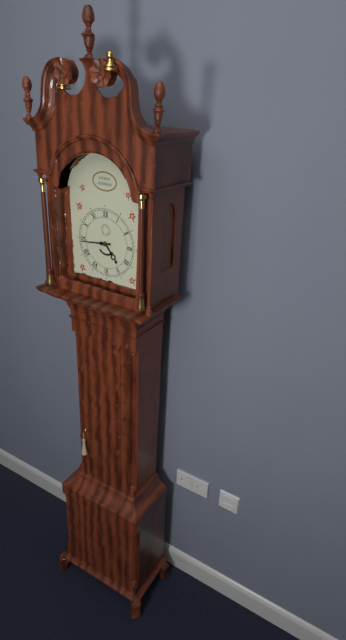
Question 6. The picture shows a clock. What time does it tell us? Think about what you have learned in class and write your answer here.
4:44
